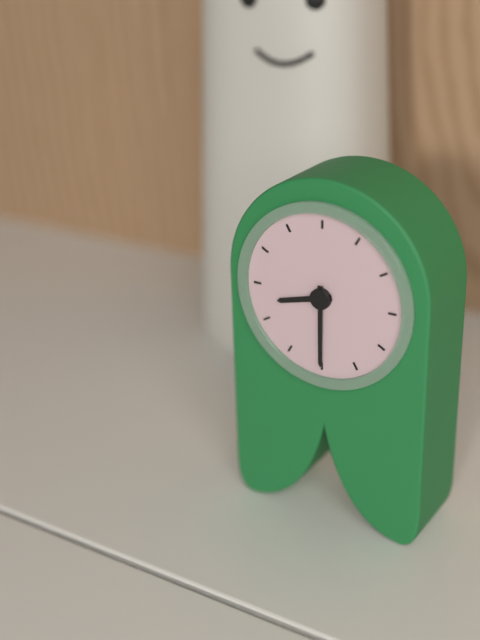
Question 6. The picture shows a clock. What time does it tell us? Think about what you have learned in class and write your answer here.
8:30
